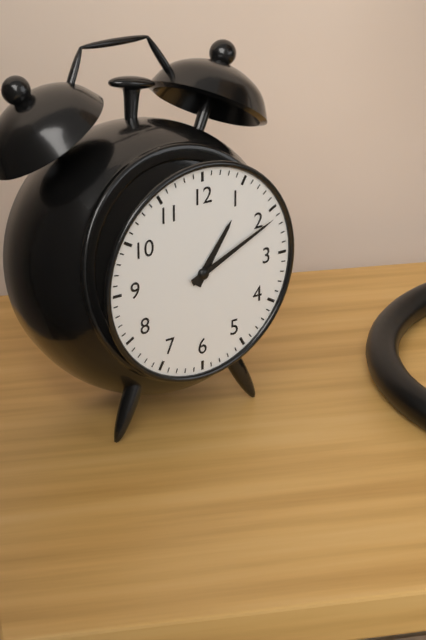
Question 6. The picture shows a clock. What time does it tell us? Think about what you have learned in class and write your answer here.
1:11
